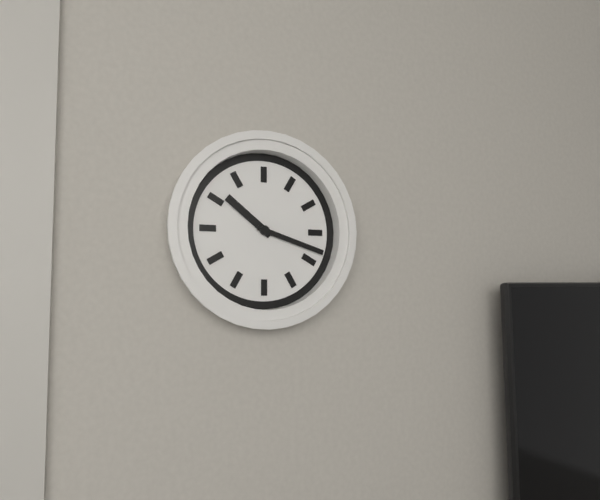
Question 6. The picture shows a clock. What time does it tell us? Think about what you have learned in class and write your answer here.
10:18
